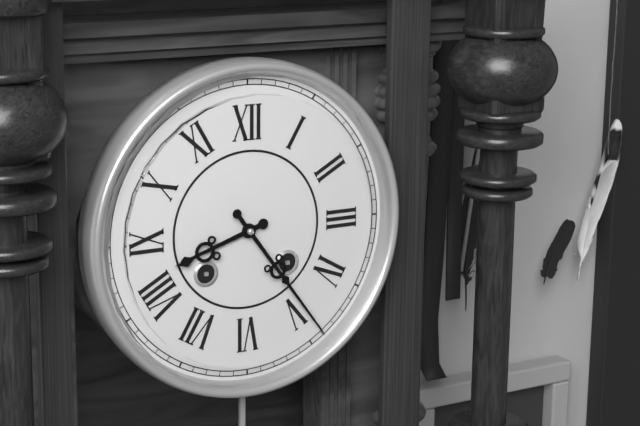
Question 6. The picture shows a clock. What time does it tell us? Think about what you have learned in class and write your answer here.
8:24
